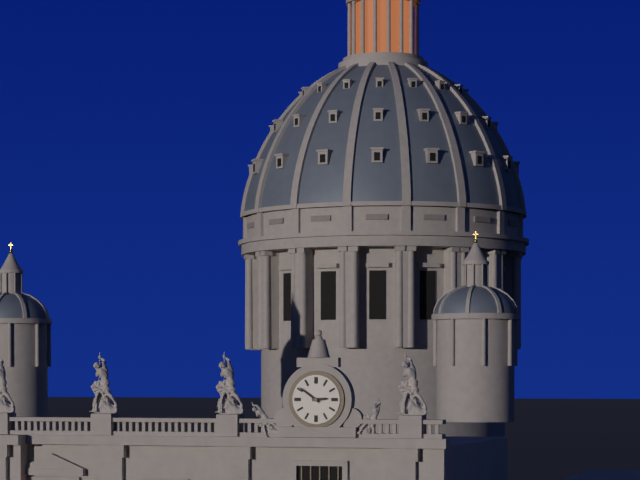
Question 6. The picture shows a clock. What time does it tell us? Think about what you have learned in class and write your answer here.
2:51
